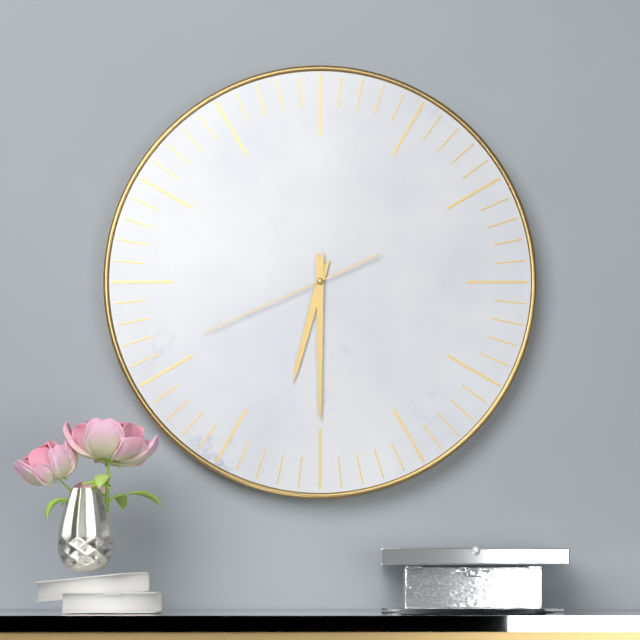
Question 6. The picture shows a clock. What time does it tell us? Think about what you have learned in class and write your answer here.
6:30:41
